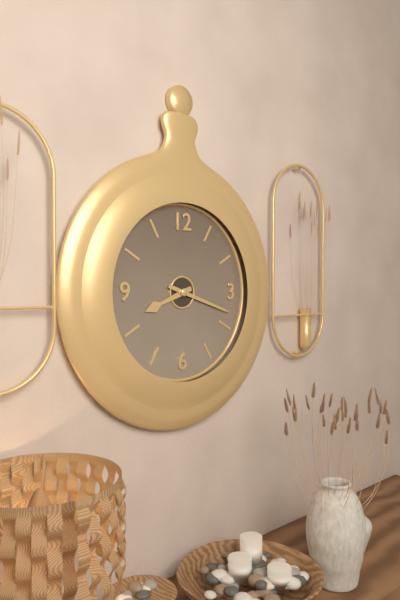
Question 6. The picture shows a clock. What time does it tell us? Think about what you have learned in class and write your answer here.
8:18
